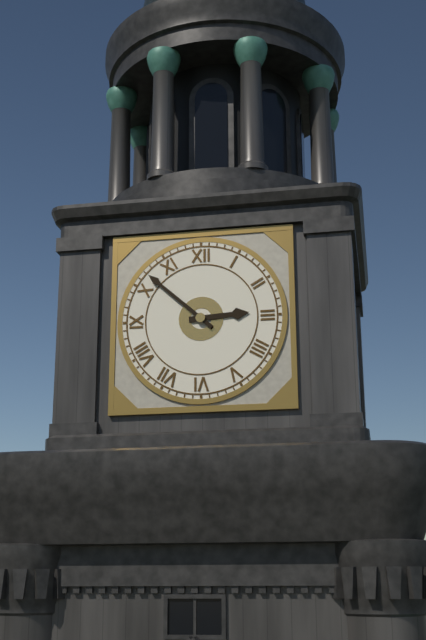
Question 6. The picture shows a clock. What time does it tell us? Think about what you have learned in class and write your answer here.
2:52
